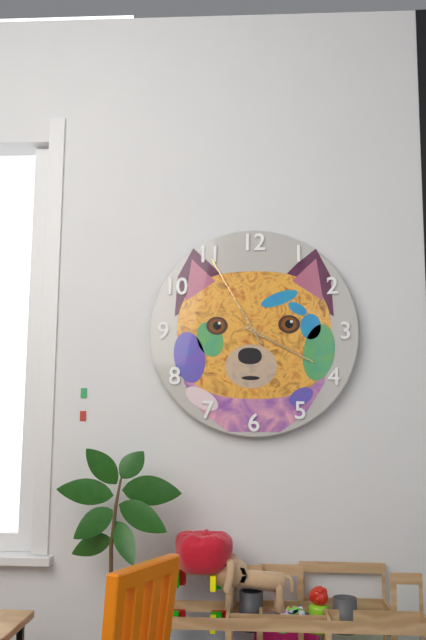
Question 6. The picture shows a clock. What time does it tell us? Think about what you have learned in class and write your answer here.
3:55
